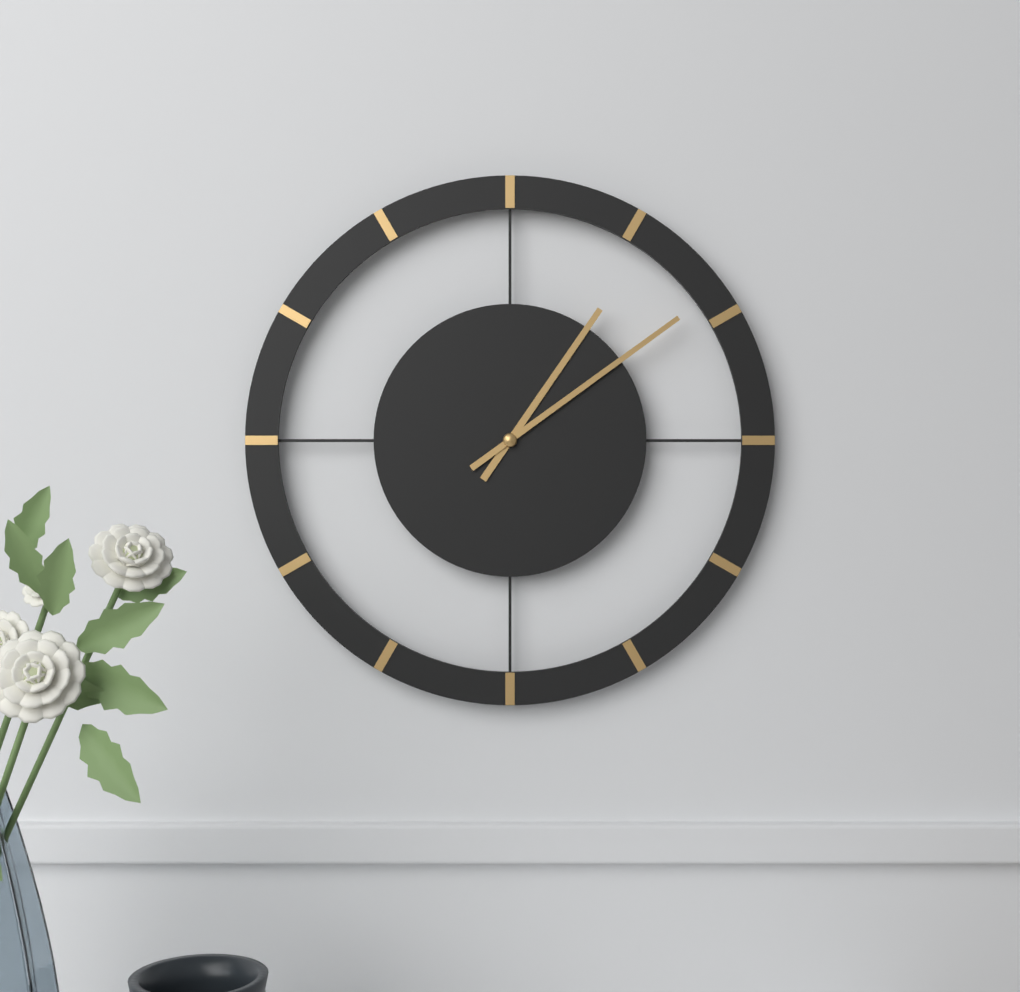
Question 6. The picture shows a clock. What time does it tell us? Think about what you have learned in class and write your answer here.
1:09
